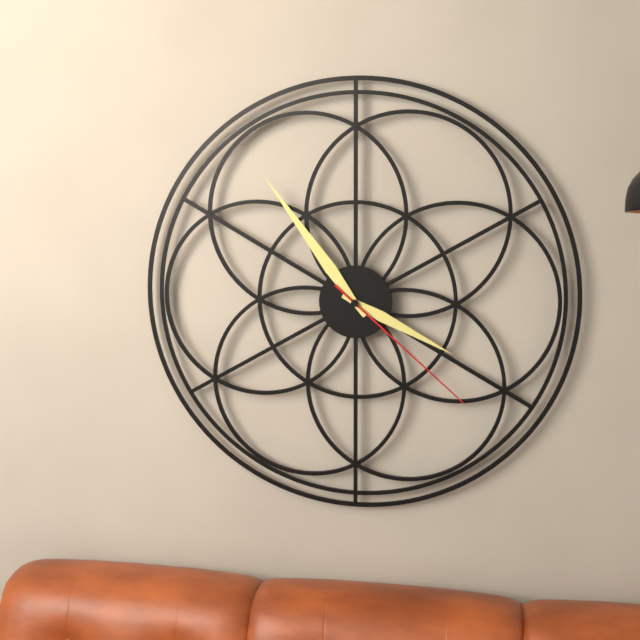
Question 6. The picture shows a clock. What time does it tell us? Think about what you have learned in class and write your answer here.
3:54:22
